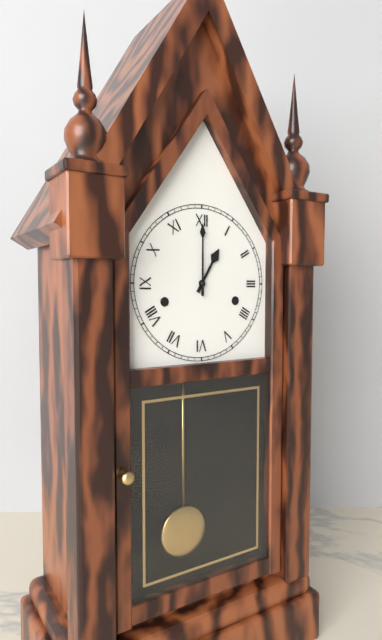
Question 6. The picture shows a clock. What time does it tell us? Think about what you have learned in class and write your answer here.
1:00
